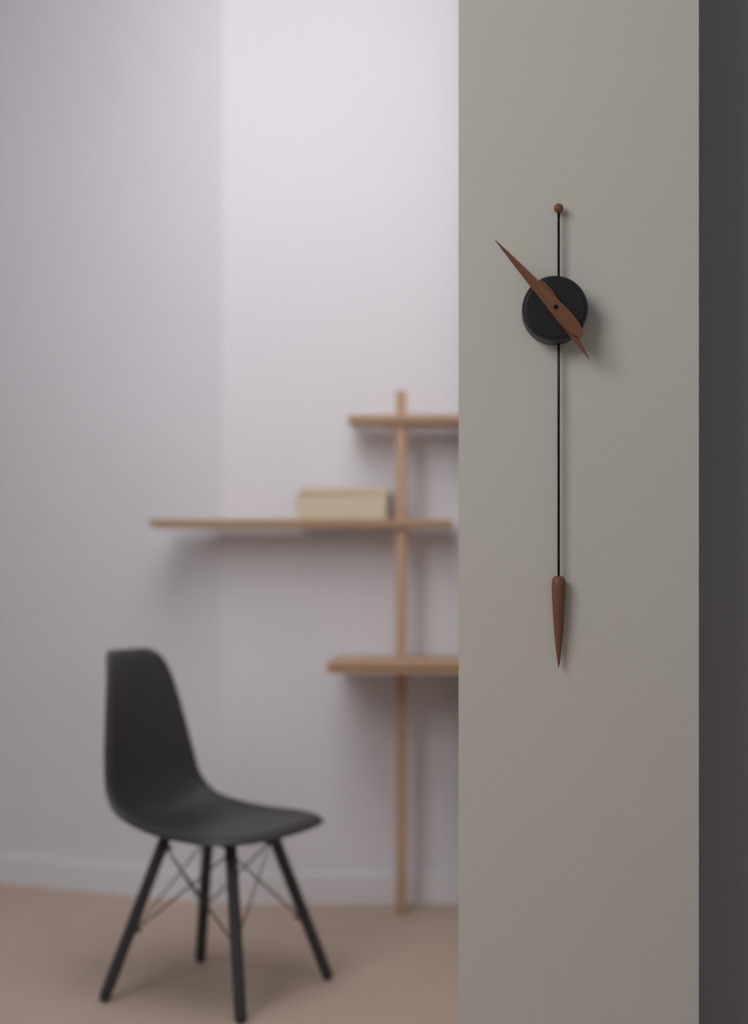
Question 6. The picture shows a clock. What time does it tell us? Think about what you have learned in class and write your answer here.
4:53
